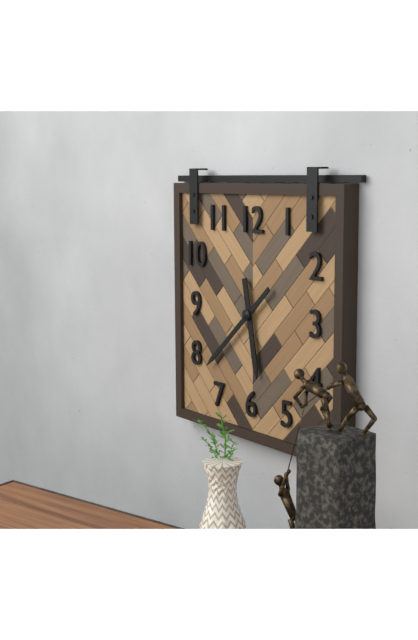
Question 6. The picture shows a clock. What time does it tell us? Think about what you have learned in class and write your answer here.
5:38
